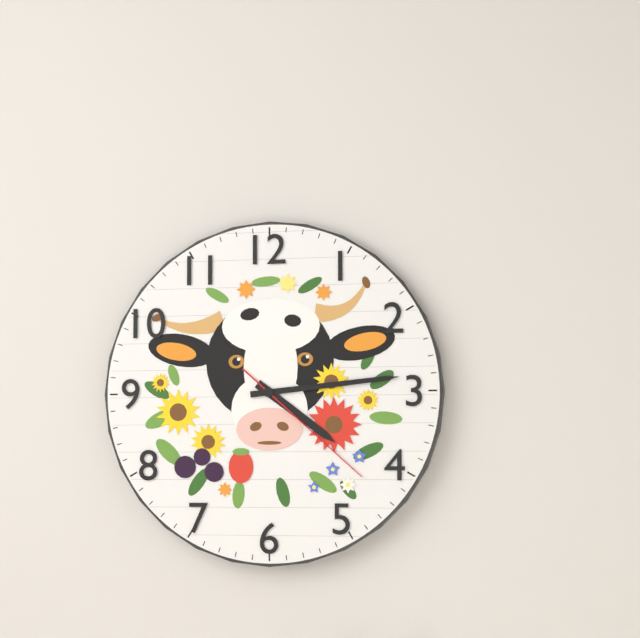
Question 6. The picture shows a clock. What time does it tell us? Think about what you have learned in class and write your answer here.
4:14:22
